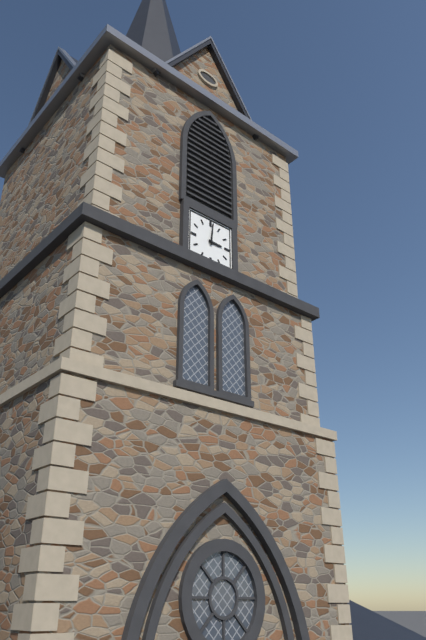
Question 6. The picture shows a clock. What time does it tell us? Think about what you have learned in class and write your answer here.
3:01
